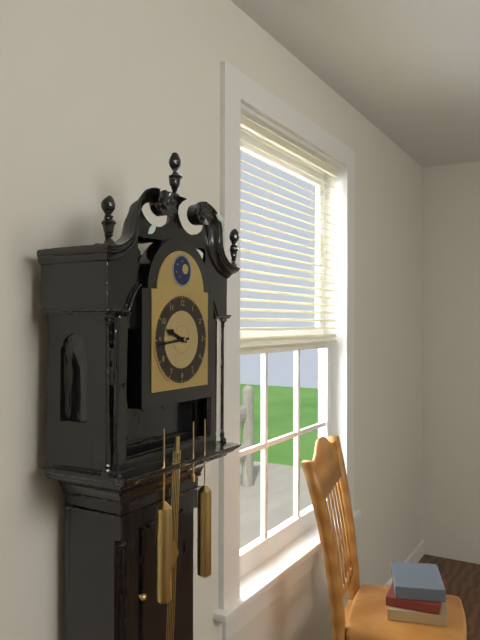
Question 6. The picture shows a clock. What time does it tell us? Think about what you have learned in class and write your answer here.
9:44
